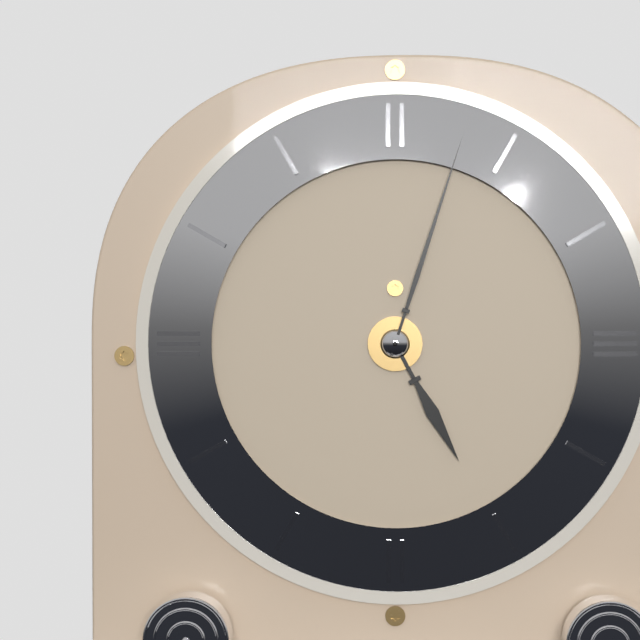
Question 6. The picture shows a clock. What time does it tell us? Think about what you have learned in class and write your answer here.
5:03
